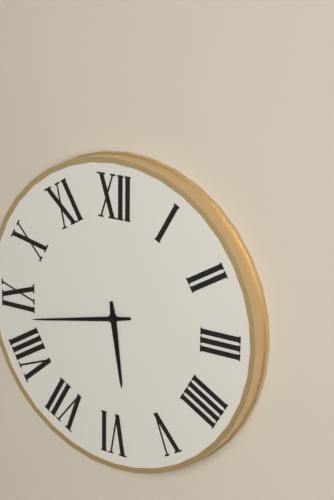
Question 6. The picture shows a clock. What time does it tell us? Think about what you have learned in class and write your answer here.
5:43
